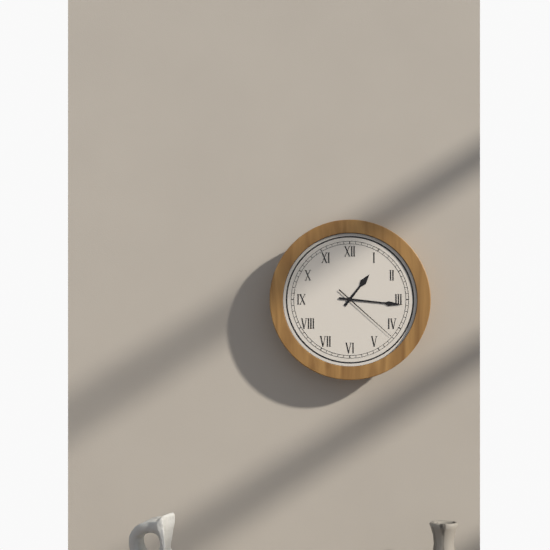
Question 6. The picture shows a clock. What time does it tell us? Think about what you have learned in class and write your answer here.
1:16:22
